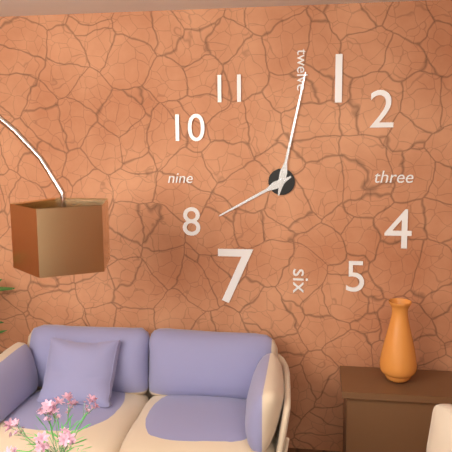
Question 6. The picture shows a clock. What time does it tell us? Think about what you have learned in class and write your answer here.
8:02
